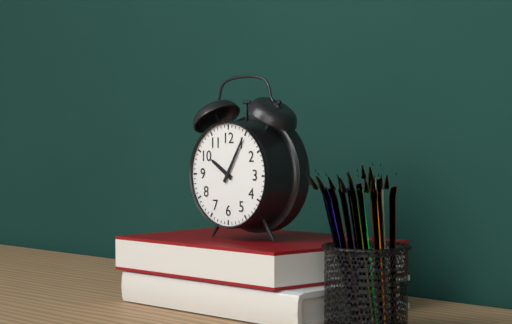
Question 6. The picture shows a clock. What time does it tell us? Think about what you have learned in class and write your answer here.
10:05
